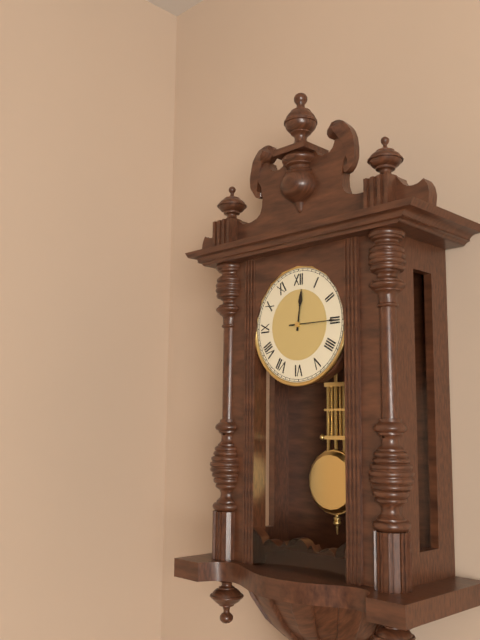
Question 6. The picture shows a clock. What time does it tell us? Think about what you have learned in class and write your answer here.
12:15
